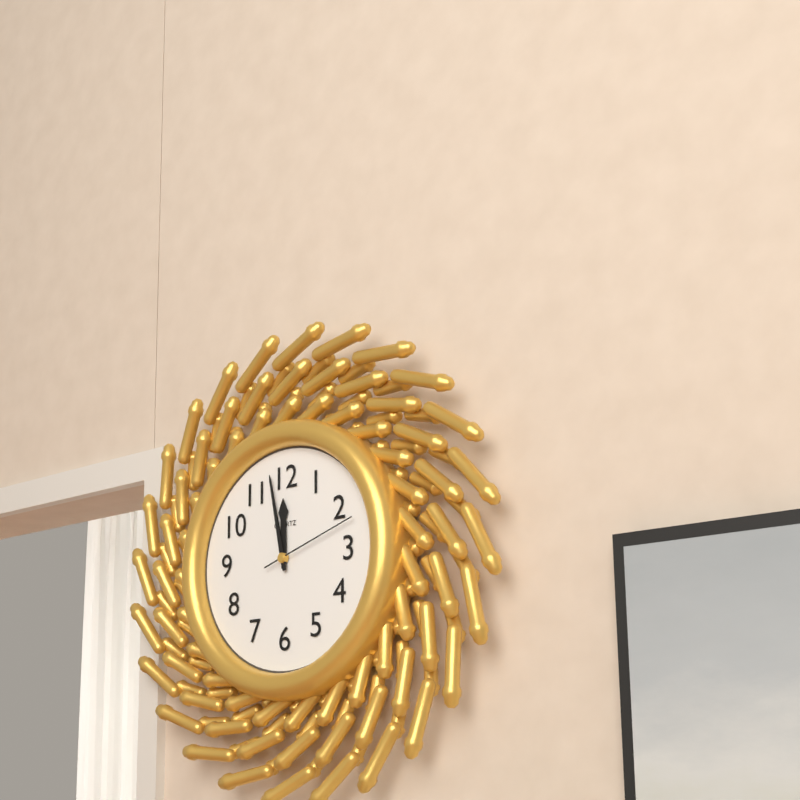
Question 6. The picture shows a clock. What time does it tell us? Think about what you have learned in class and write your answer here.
11:58:12
